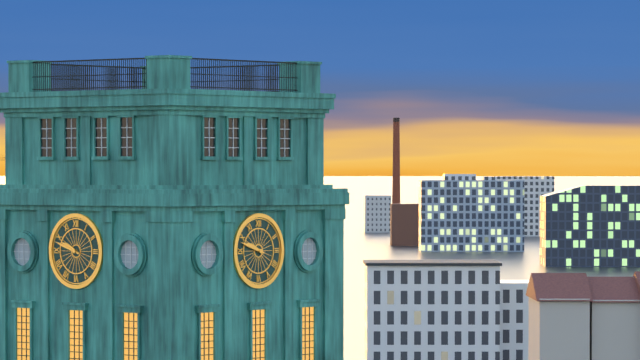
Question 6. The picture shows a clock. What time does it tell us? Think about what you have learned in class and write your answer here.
9:48
